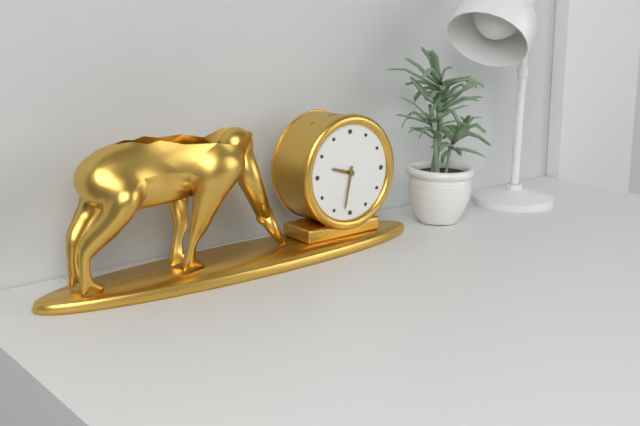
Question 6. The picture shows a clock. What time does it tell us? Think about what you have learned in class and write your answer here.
9:32
